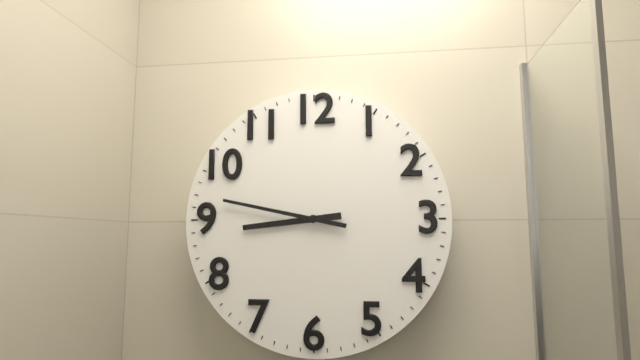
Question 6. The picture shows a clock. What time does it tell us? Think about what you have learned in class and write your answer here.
8:47
